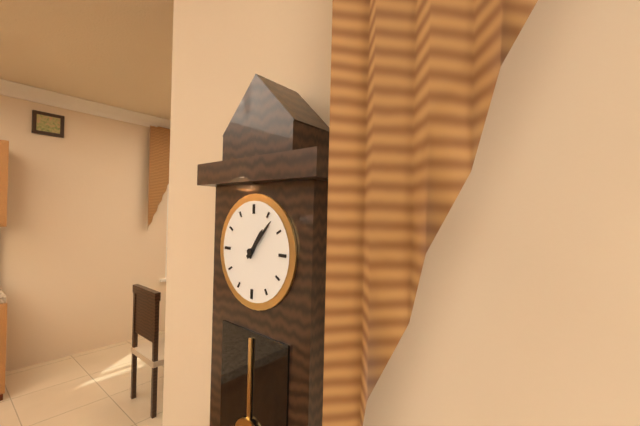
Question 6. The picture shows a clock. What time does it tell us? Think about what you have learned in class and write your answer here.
1:07
